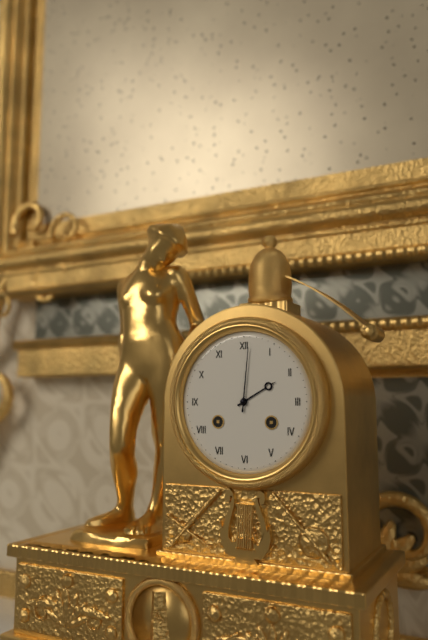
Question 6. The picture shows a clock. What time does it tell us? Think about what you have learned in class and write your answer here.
2:01
